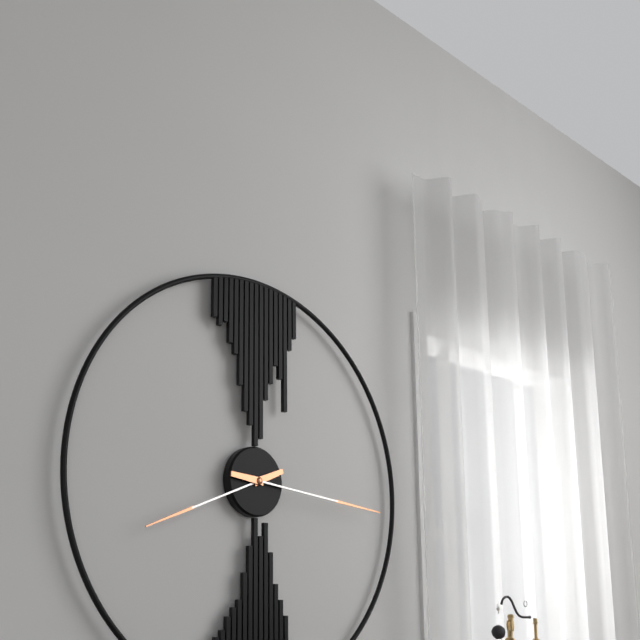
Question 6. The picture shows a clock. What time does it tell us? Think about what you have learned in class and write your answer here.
8:16
